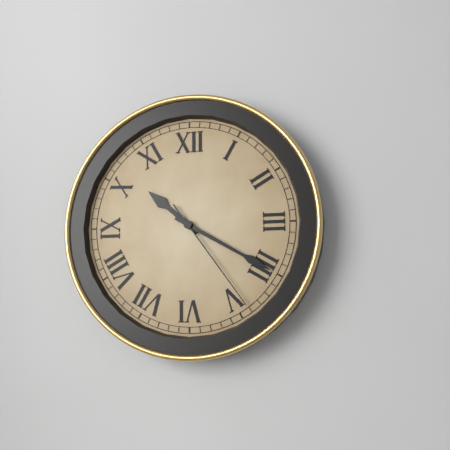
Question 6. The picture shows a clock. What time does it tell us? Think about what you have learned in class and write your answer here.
10:20:24
